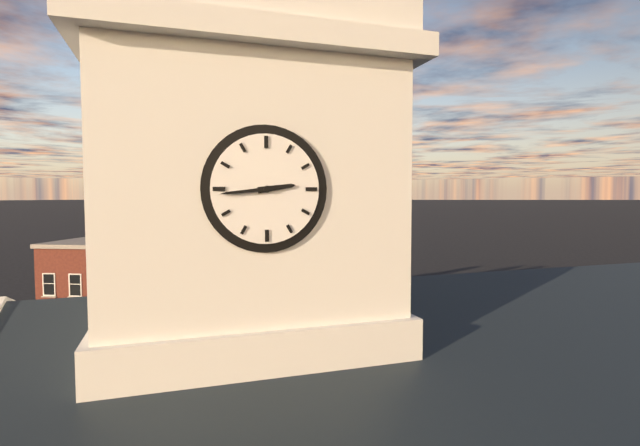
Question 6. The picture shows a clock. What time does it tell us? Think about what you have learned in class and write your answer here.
2:44
